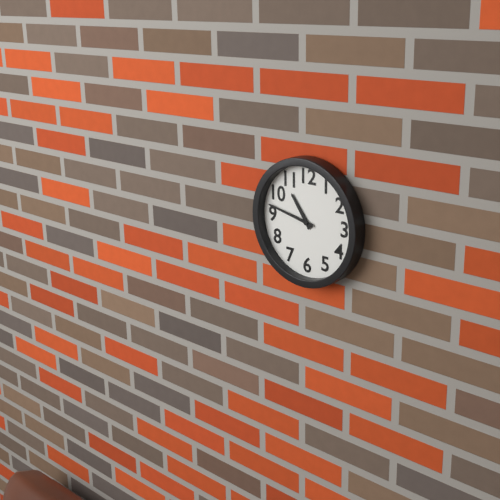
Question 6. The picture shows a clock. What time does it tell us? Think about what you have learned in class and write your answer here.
10:47
